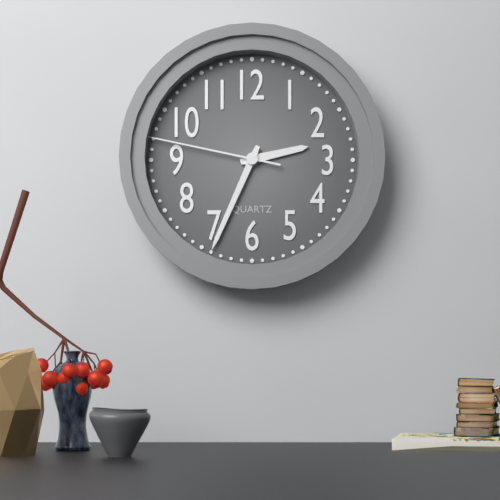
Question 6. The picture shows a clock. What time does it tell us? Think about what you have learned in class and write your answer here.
2:34:47
